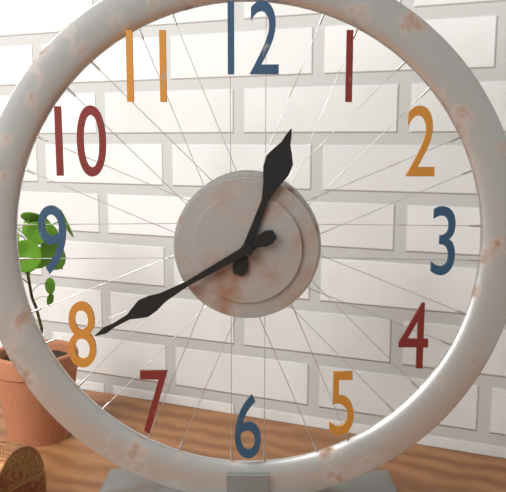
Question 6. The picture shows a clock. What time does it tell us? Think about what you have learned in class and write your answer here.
12:40
